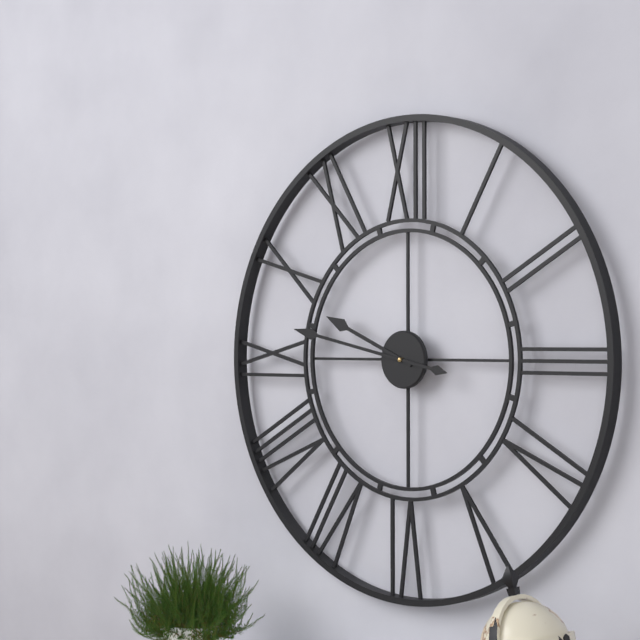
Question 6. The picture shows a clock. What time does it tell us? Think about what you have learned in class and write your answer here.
9:47
